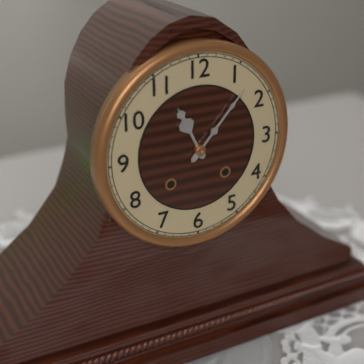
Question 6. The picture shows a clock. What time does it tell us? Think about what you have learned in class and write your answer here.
11:07
